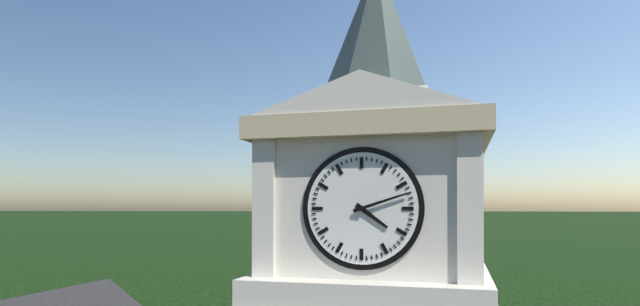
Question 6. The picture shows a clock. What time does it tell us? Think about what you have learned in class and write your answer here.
4:12
